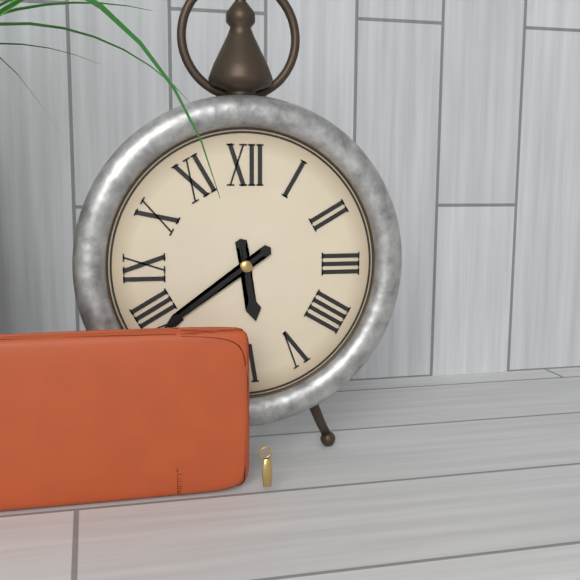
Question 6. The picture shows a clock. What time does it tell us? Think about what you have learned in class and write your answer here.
5:39
